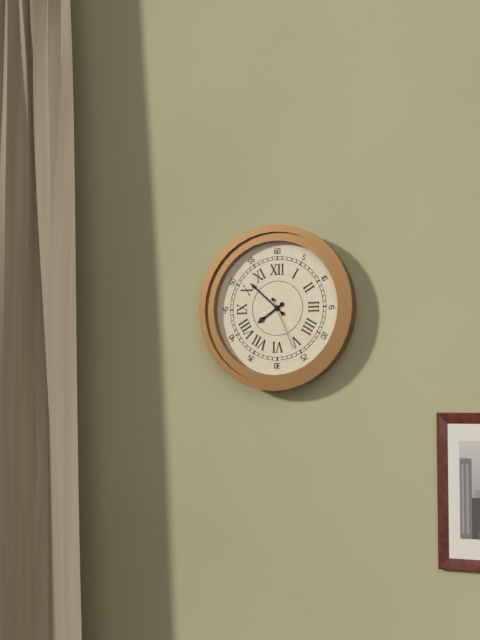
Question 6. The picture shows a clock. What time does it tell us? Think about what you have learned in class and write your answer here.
7:52:26
